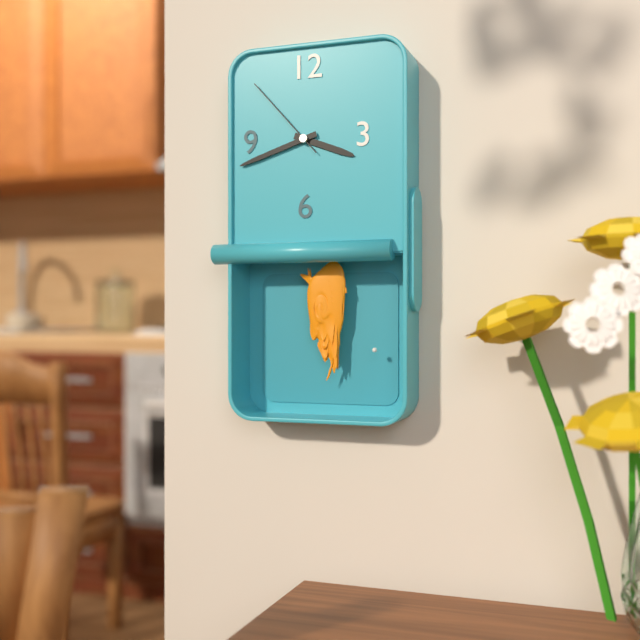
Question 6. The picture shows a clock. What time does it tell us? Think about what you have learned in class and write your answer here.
3:42:53
